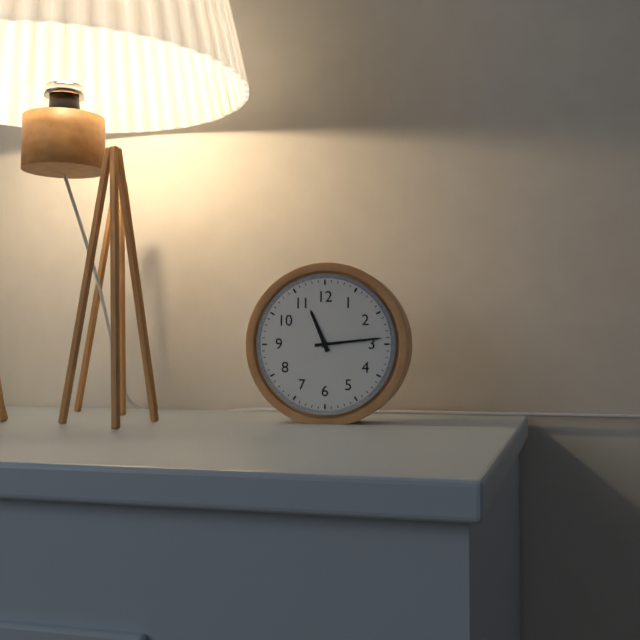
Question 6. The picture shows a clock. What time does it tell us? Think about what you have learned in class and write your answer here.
11:14
